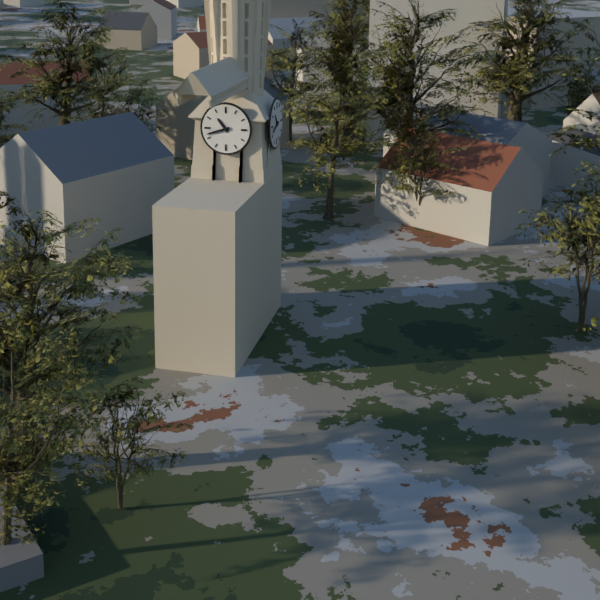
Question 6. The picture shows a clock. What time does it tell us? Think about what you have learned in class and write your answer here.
10:42
